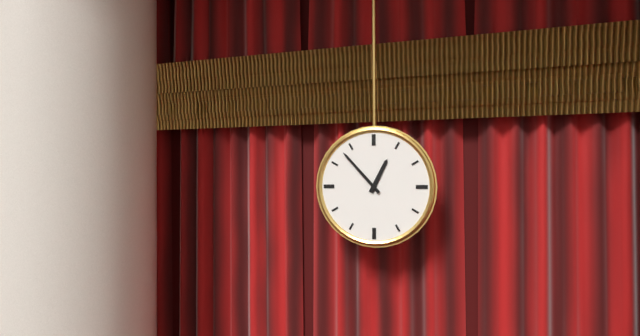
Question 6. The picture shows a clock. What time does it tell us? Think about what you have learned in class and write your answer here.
12:53
